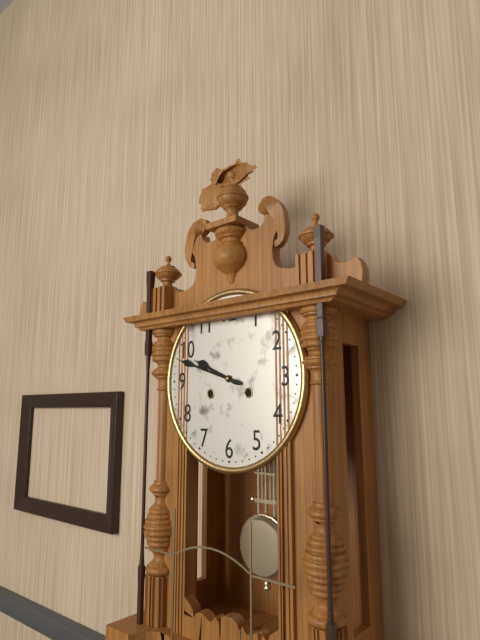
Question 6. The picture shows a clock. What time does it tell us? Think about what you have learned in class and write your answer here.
9:48
